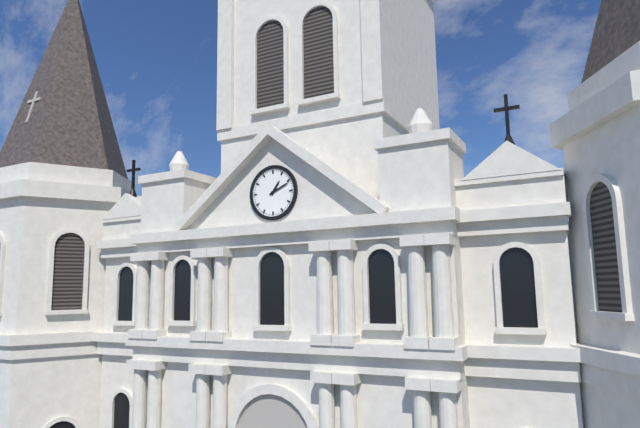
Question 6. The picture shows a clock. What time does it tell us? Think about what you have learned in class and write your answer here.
1:11
